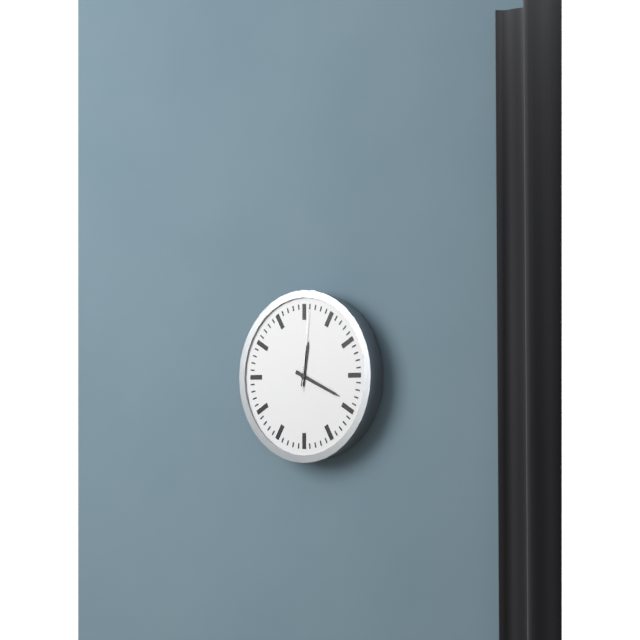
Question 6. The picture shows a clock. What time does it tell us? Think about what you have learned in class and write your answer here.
12:19:01
